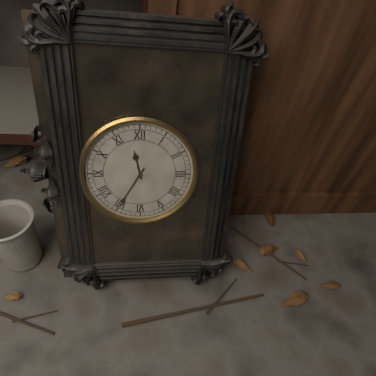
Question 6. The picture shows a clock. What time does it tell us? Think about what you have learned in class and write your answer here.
11:35
